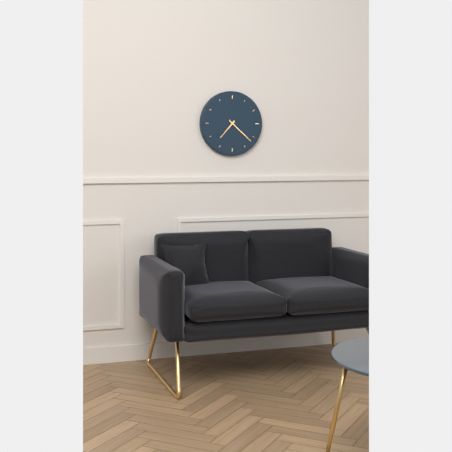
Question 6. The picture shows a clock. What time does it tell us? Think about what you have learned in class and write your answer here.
7:22
